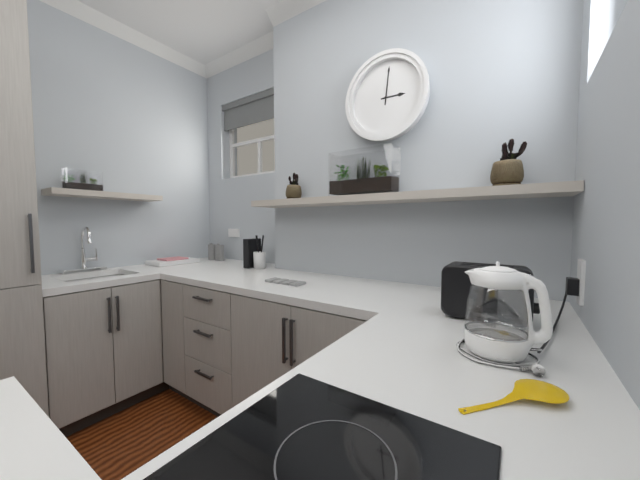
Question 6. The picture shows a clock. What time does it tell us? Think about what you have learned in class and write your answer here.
3:01
